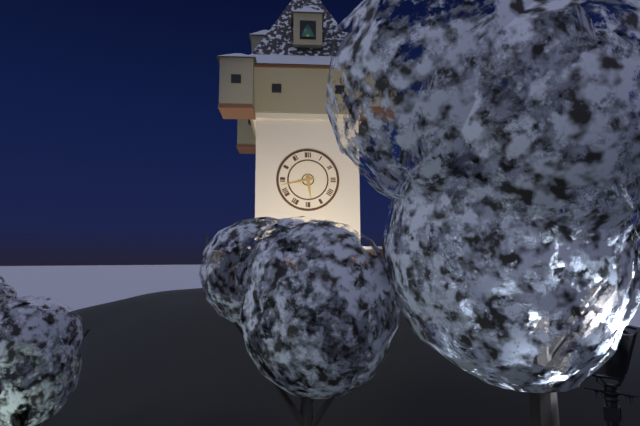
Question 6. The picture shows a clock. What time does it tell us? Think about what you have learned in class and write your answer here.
5:43
